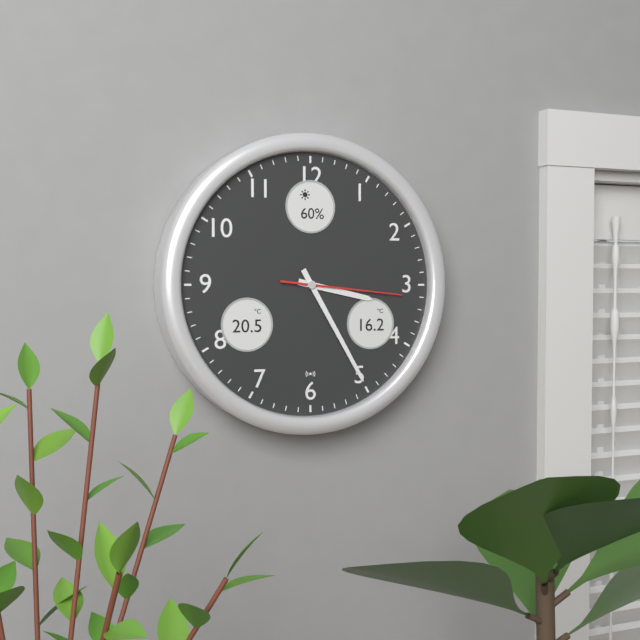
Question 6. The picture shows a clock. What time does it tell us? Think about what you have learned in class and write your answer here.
3:25:16
